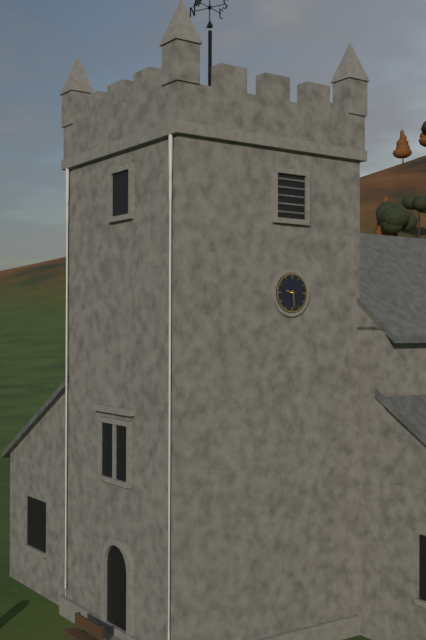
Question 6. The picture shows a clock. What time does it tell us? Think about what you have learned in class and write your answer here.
9:29
